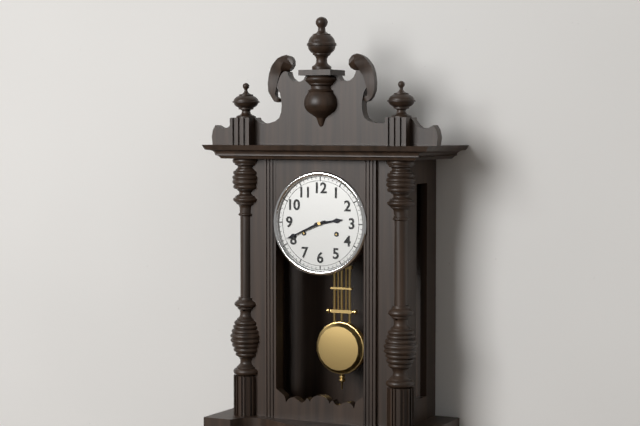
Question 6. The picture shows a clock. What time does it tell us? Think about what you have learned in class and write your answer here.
2:41
